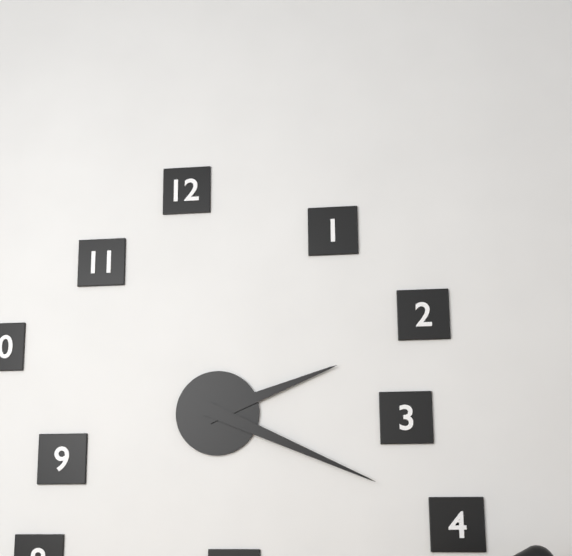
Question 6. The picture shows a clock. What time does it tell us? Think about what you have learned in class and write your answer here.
2:19
